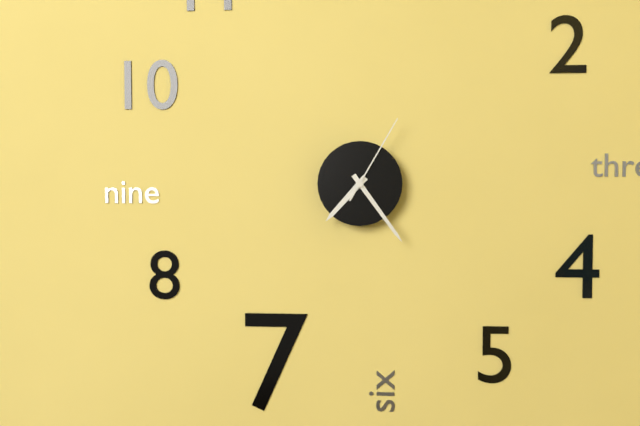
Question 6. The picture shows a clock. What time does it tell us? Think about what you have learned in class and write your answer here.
7:24:05
